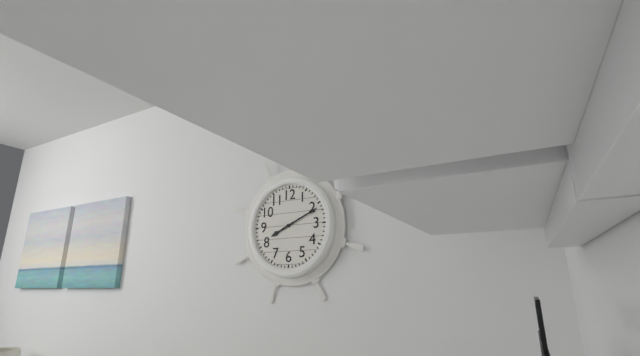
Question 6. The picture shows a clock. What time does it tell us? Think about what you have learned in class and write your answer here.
8:11
